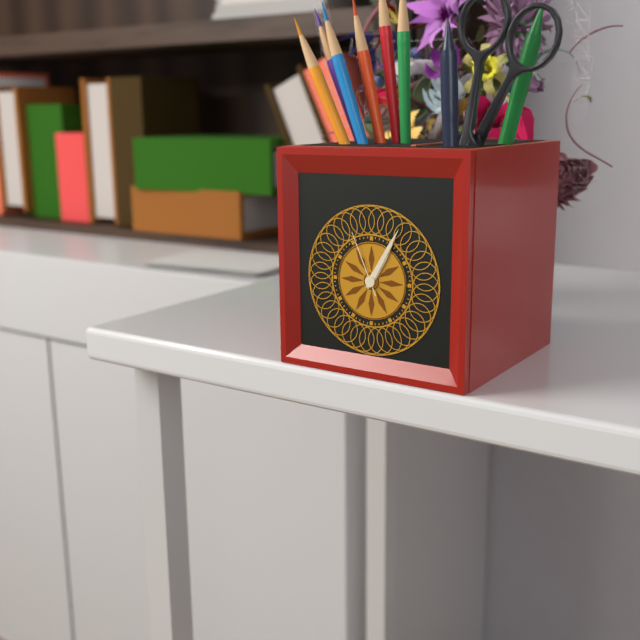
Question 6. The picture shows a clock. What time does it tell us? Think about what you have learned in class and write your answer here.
1:05:56
